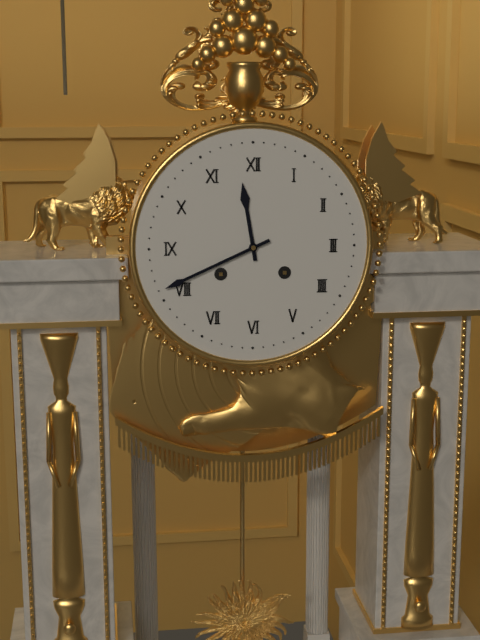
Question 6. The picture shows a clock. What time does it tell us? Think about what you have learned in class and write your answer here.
11:41
